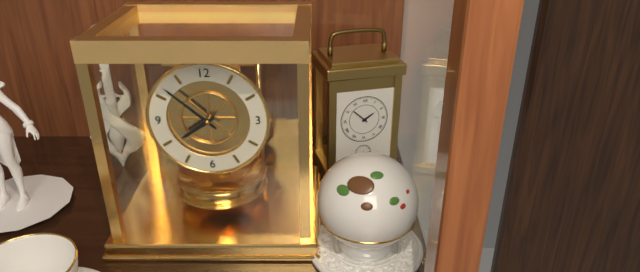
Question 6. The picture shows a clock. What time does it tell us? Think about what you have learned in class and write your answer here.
7:52
